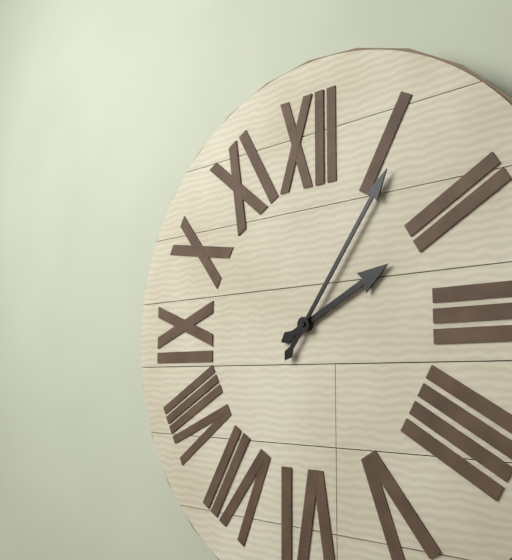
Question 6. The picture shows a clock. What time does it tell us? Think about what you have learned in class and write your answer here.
2:06
